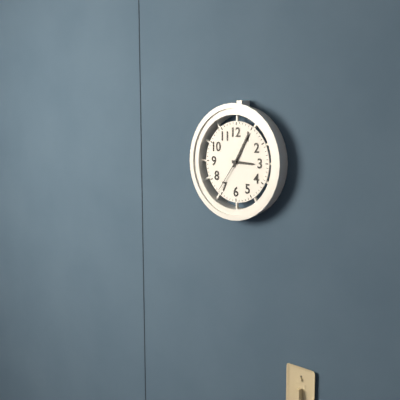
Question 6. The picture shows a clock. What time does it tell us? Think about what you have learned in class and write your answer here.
3:05
